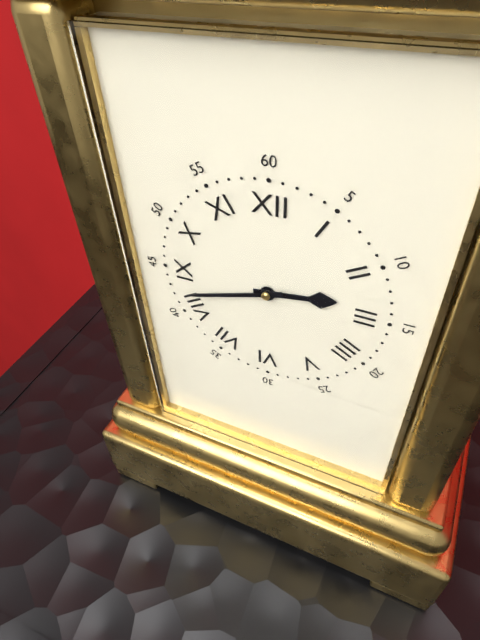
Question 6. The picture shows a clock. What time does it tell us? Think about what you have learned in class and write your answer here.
2:42
